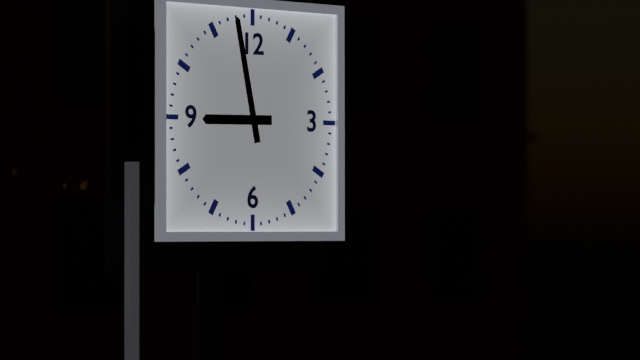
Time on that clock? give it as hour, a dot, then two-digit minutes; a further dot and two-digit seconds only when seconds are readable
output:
8.58
